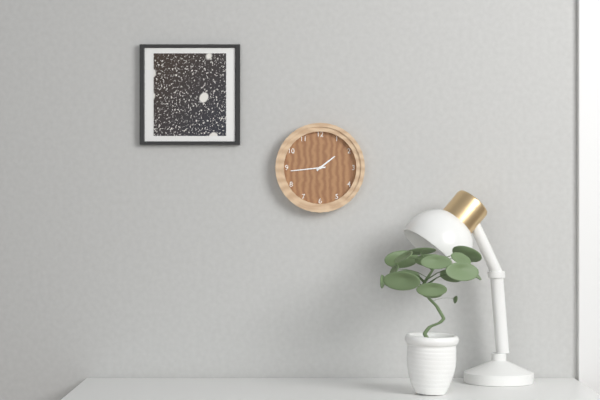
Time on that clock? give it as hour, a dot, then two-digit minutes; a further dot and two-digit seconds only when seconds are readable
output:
1.44
